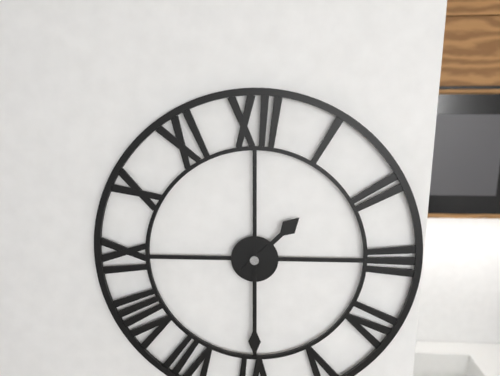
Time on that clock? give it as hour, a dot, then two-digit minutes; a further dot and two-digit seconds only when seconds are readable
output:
1.30
